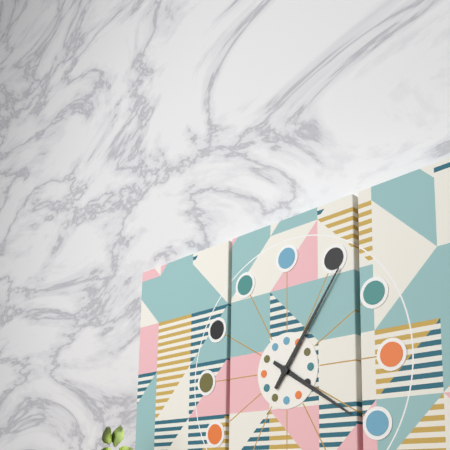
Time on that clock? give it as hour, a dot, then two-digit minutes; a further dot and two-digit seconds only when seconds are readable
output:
4.06
